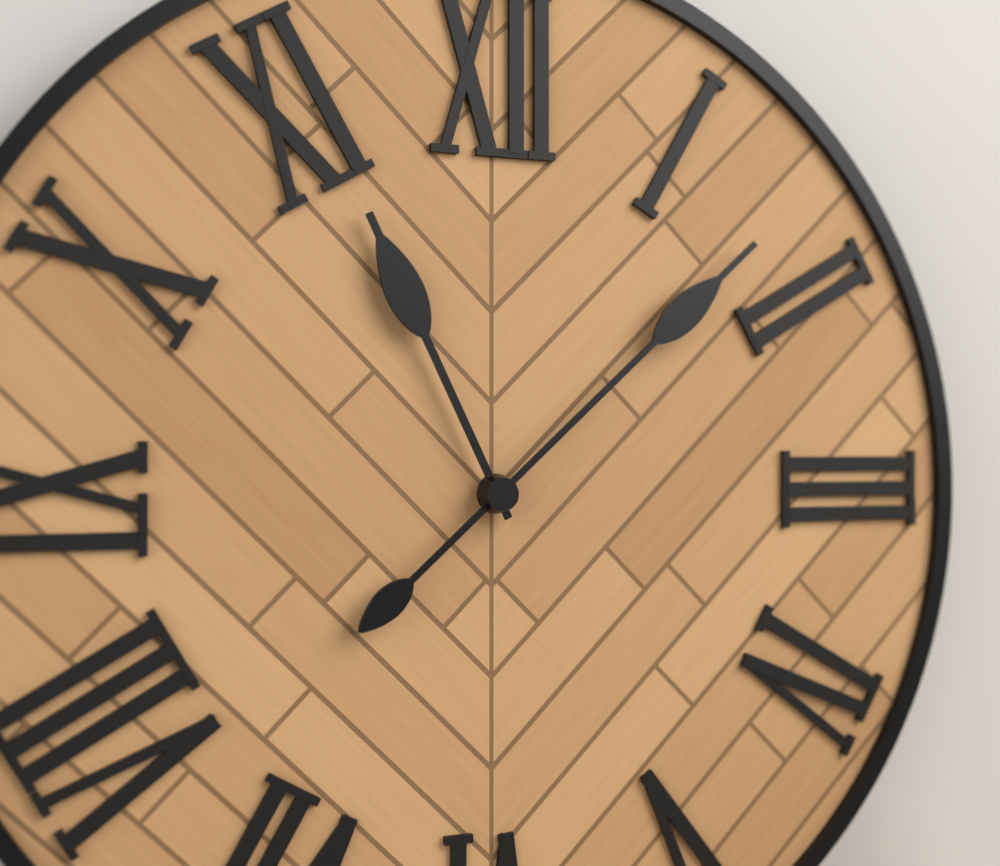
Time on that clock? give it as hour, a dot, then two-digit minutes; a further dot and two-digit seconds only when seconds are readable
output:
11.08
